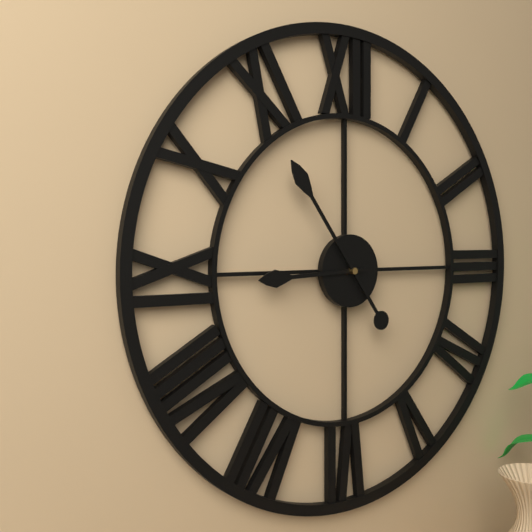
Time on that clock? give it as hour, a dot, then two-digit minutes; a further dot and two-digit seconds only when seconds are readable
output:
8.54
